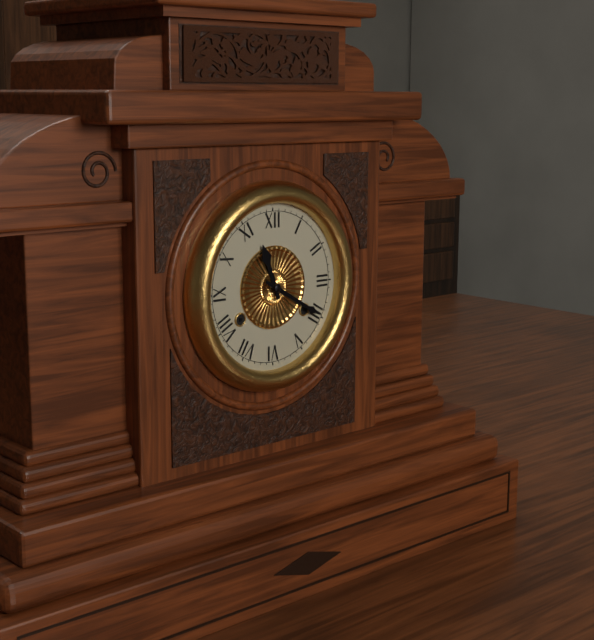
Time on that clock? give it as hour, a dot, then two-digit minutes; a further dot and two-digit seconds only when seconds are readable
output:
11.20
